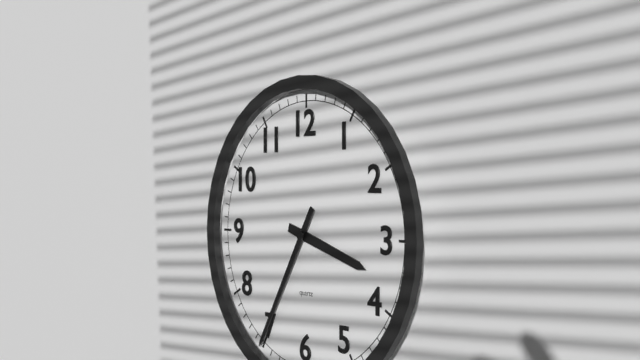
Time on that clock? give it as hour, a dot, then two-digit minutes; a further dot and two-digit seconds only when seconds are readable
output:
3.35
